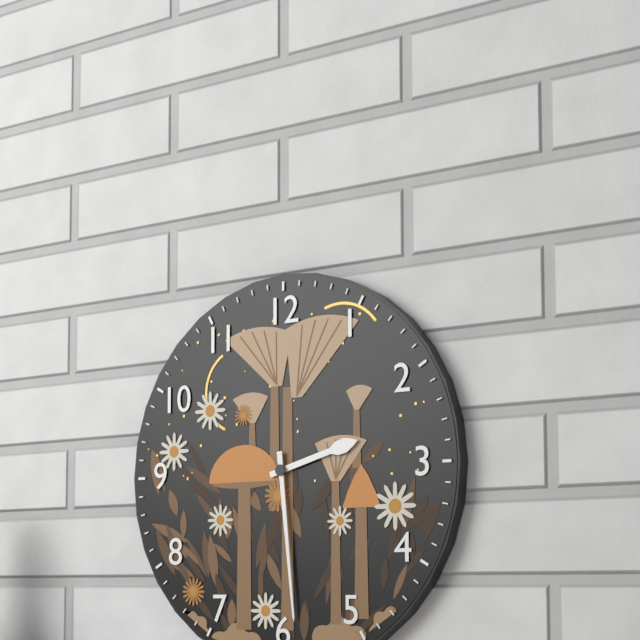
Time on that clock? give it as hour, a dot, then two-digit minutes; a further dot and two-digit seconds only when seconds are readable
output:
2.29
